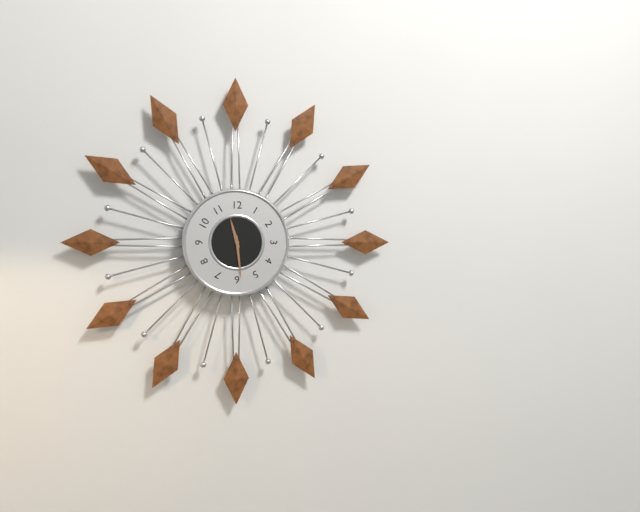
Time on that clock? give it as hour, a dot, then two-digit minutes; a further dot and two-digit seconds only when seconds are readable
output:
11.29
